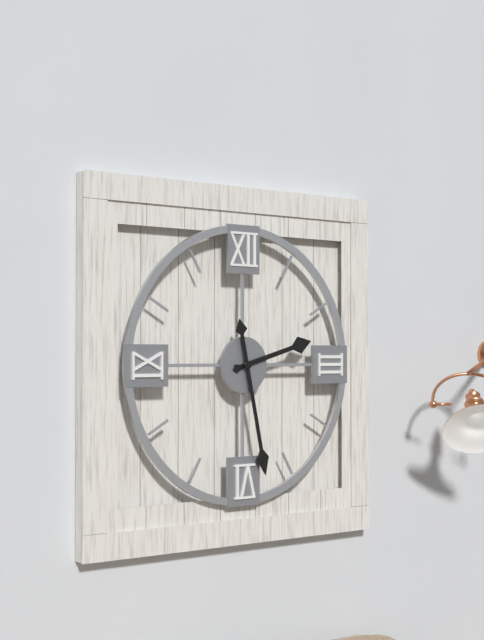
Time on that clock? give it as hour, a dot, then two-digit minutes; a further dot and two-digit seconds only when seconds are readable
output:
2.28
